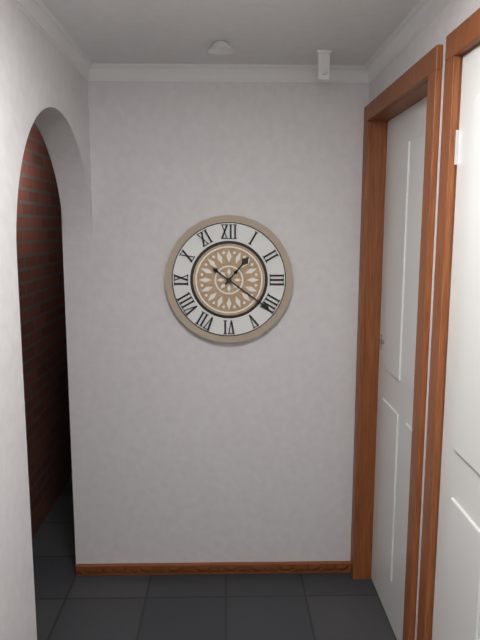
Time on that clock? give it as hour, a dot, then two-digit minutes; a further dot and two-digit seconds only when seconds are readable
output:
1.21
